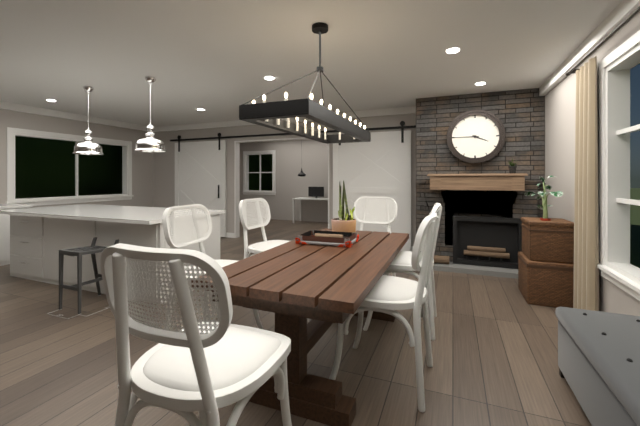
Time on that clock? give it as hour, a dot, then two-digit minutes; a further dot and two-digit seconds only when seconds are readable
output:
3.45
